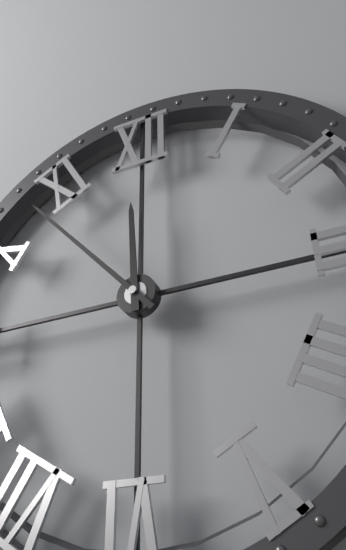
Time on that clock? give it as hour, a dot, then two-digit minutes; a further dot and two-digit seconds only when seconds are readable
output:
11.53
